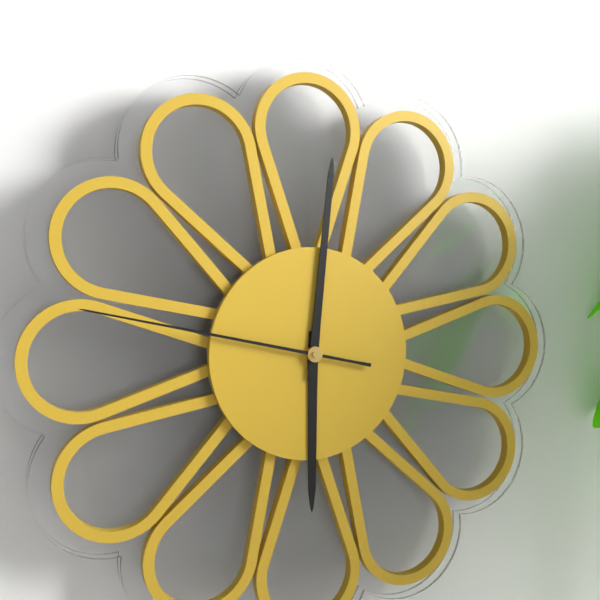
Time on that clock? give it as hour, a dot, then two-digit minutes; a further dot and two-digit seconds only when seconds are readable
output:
6.01.47
